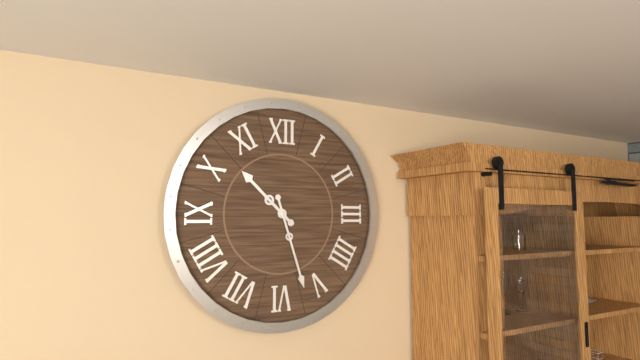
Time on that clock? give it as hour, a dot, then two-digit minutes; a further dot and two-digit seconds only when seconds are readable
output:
10.27
